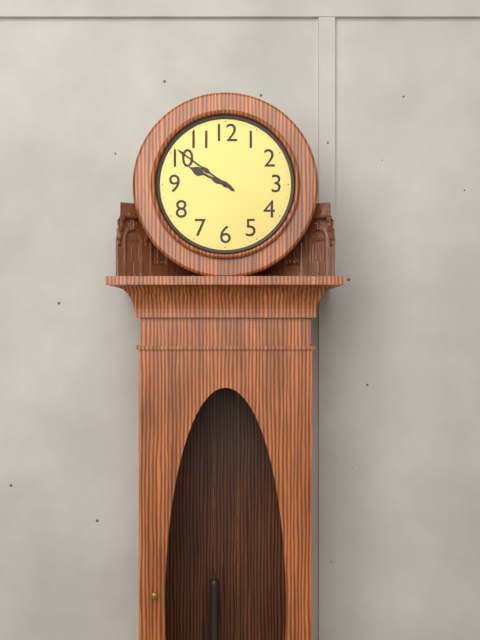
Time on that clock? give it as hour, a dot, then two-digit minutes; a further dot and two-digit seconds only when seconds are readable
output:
9.51
